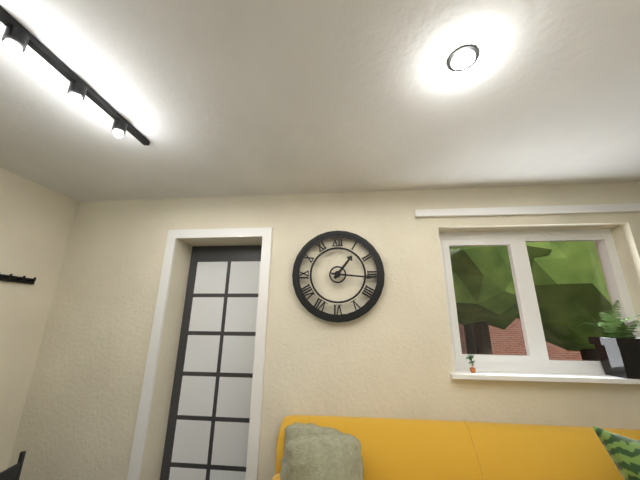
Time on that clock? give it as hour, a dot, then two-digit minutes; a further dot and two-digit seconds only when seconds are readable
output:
1.16
